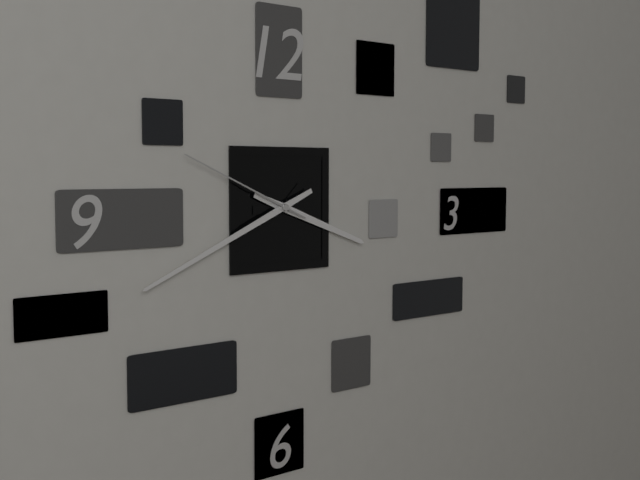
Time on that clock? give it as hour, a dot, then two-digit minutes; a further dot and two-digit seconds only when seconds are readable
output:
3.41.49
